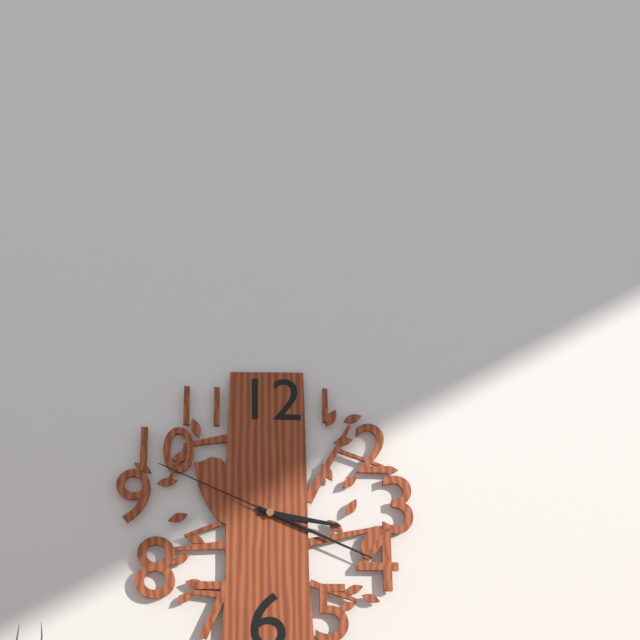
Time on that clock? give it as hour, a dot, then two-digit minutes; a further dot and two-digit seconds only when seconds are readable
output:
3.19.49
